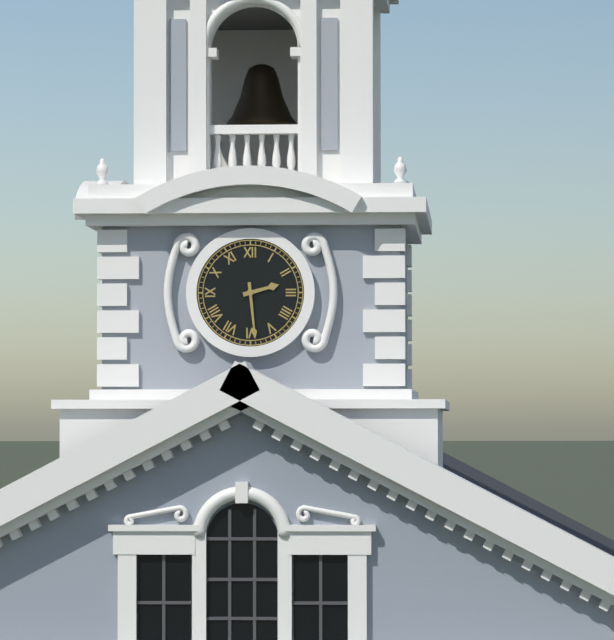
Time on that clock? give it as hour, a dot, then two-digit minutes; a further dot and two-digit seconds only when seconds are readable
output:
2.29
